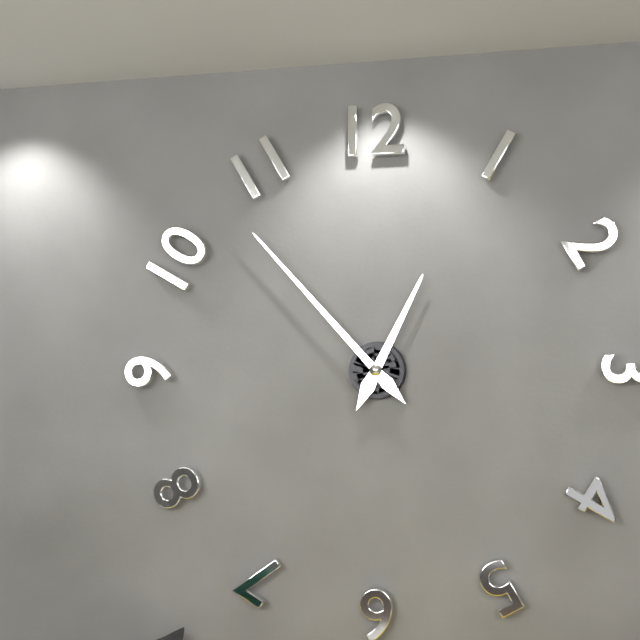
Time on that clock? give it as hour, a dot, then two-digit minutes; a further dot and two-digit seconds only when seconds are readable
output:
12.53
